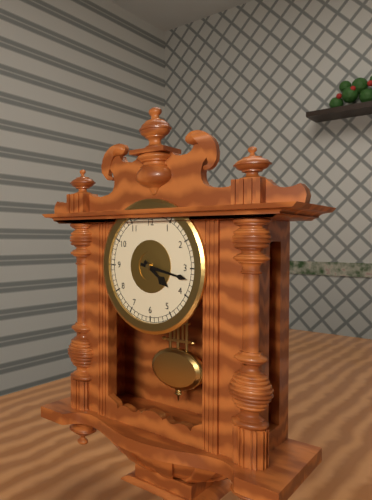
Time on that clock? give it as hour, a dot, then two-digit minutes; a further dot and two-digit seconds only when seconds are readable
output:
4.17
